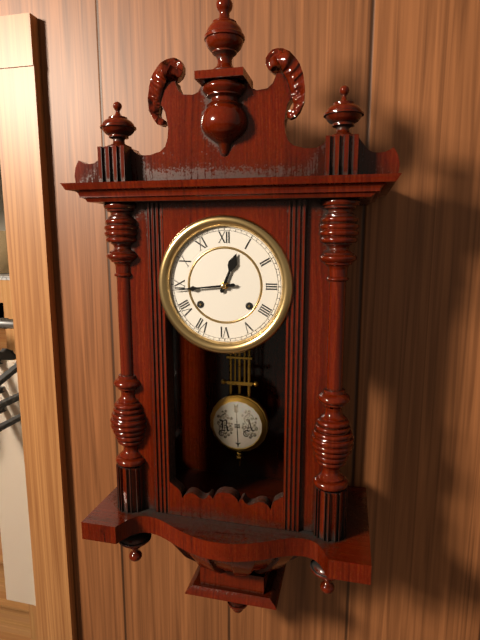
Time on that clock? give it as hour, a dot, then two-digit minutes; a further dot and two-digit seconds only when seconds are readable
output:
12.44
